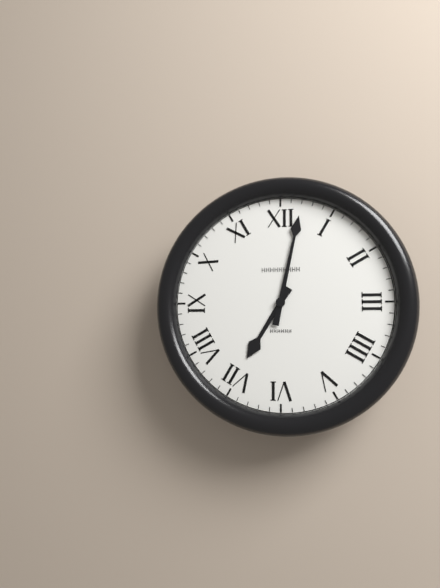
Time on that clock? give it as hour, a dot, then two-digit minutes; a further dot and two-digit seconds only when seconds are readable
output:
7.02
